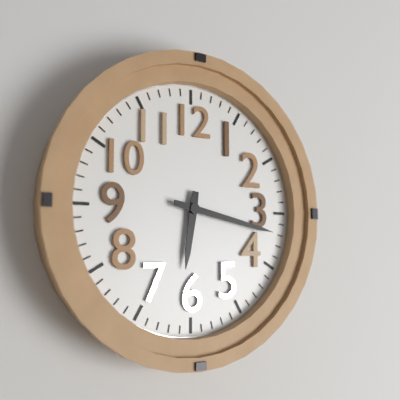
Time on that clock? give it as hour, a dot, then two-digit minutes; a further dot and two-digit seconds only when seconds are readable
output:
6.17
